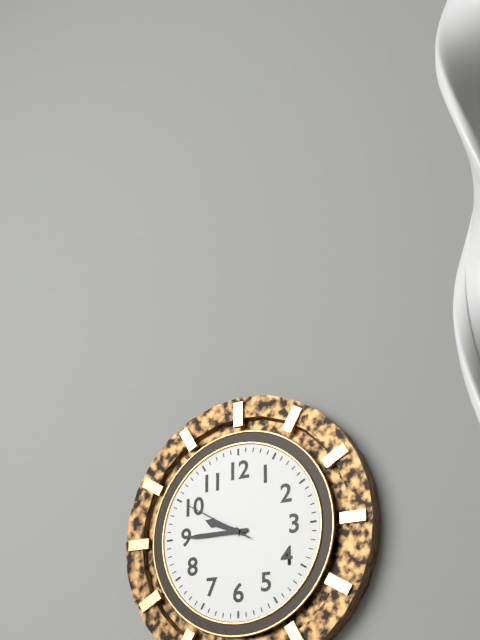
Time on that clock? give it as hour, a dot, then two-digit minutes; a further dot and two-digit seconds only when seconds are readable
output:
9.45.50
